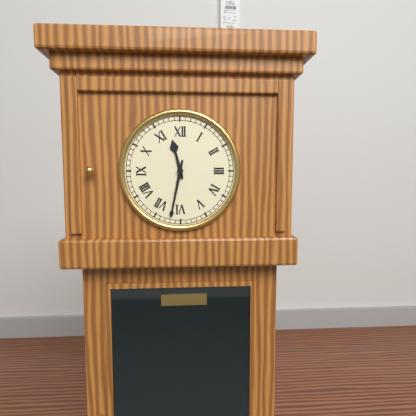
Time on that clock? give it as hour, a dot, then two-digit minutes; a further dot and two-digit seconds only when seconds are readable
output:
11.32
